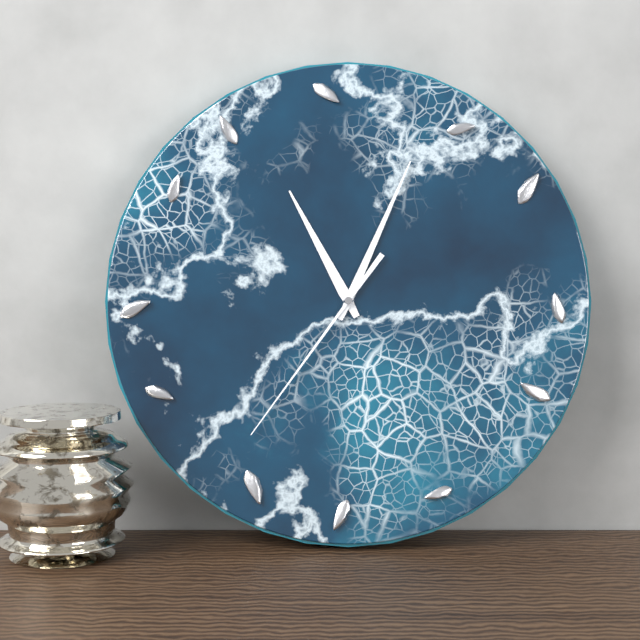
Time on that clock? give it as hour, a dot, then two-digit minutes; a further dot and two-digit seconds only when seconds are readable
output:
11.04.36
